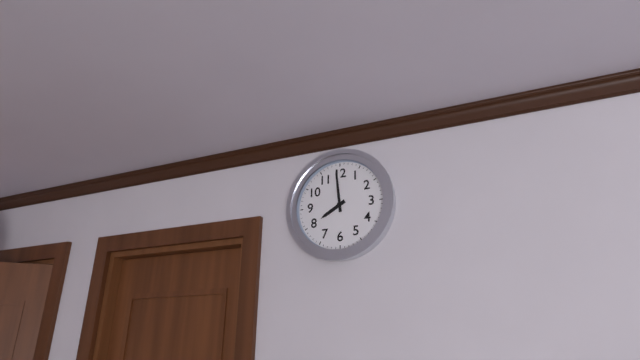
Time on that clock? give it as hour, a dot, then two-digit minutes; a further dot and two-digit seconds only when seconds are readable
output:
7.59
